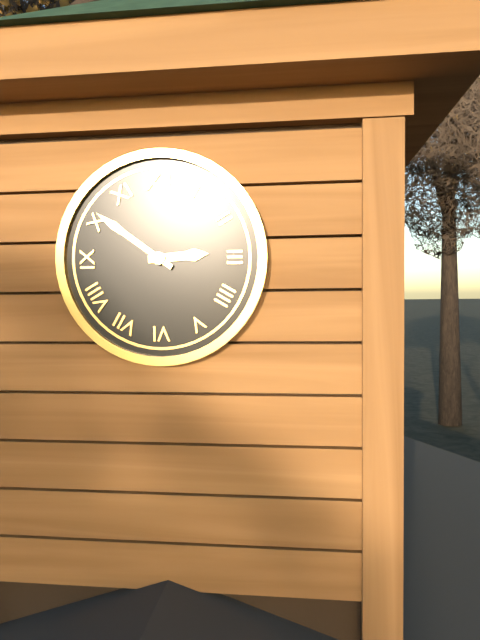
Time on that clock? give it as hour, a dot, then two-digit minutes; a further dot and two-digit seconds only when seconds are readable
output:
2.51
